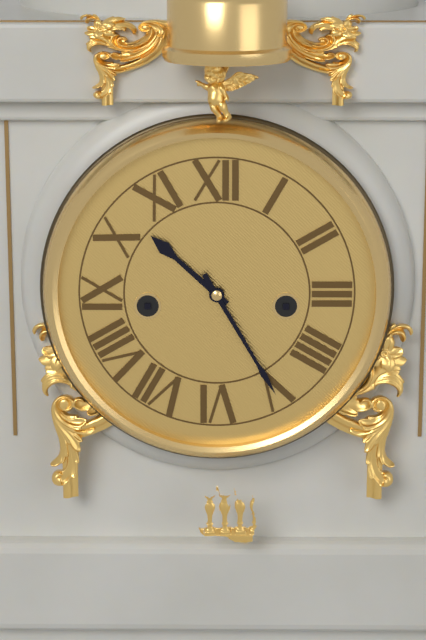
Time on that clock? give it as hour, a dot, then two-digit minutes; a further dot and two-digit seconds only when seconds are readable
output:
10.25
